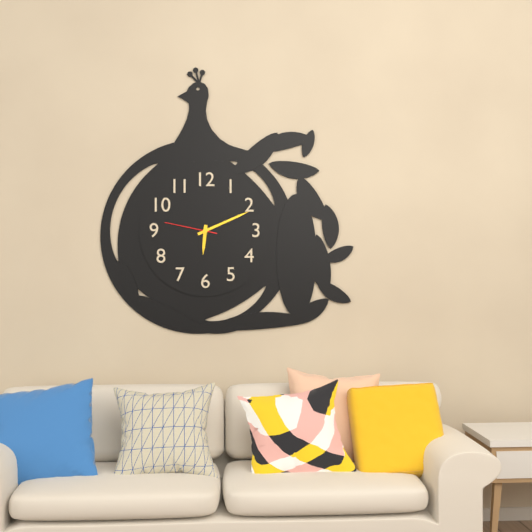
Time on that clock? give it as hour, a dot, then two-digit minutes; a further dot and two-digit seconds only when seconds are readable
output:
6.11.47
